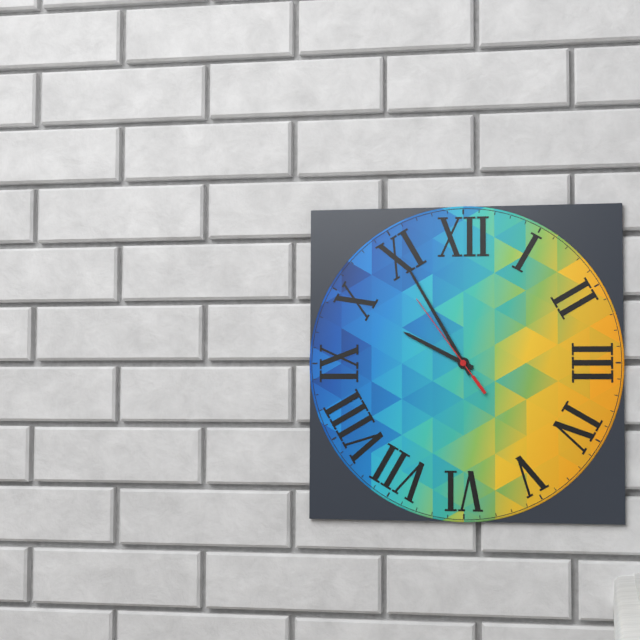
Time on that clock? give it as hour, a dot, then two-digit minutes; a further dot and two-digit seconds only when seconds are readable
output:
9.55.54
